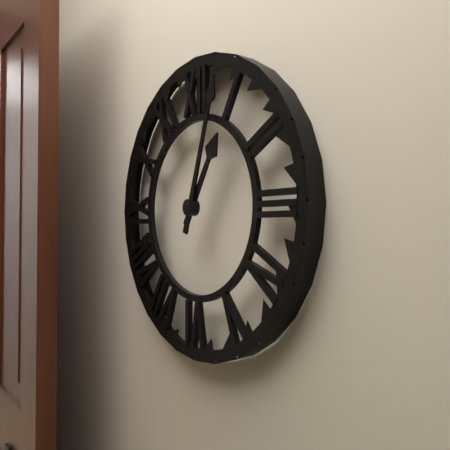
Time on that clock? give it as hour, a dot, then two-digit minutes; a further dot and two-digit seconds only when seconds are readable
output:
1.03
